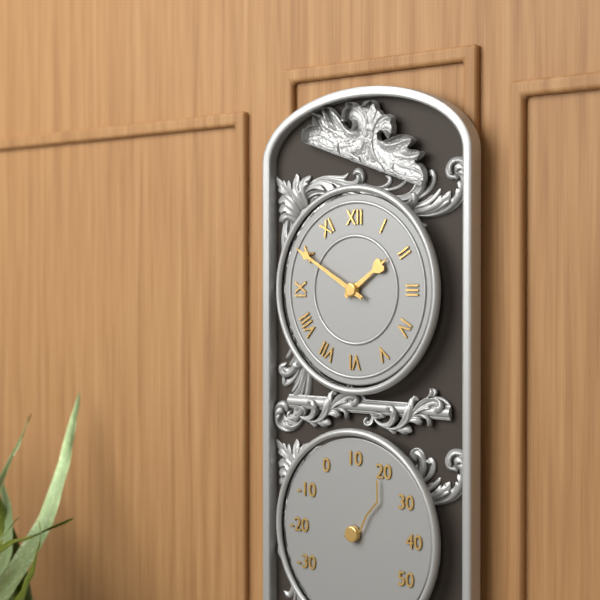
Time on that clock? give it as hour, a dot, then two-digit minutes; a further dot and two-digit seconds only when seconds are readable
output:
1.50
